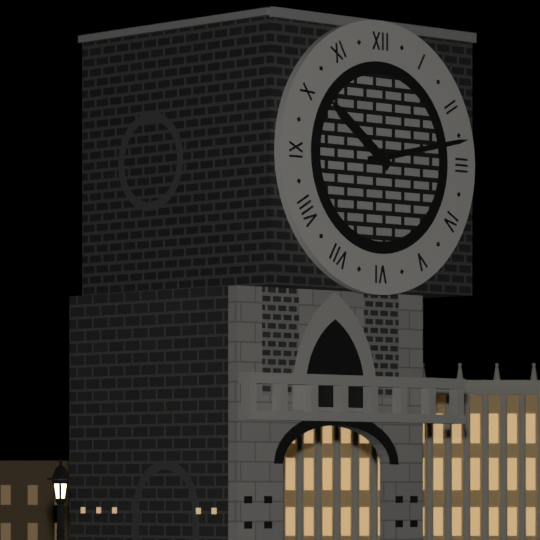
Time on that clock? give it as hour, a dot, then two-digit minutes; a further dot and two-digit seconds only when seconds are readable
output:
10.13
